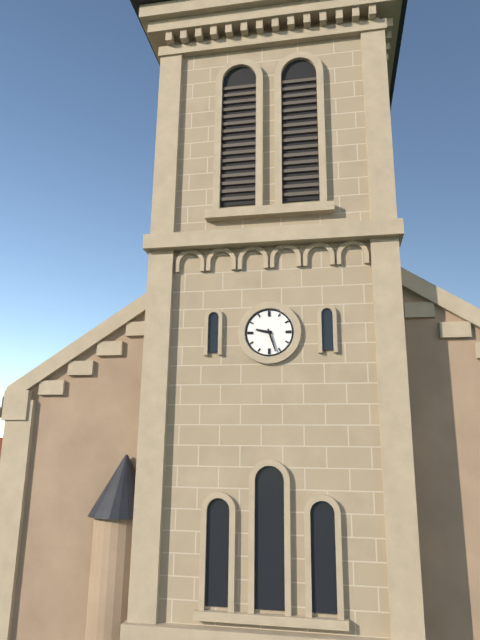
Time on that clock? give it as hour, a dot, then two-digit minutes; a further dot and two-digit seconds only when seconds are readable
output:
9.27
